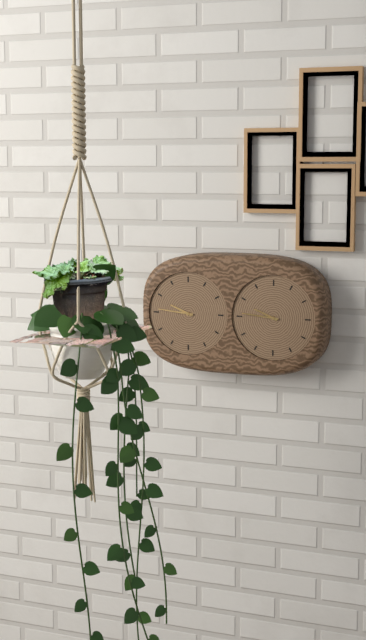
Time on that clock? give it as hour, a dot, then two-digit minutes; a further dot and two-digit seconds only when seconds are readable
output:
9.46
